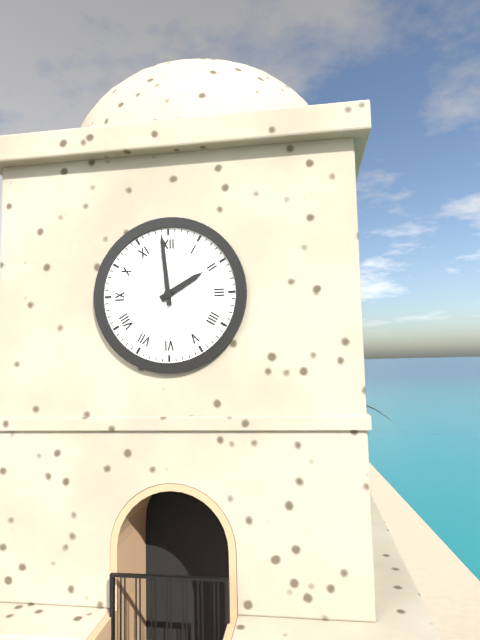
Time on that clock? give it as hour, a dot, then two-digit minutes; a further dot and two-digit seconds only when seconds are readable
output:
1.59
